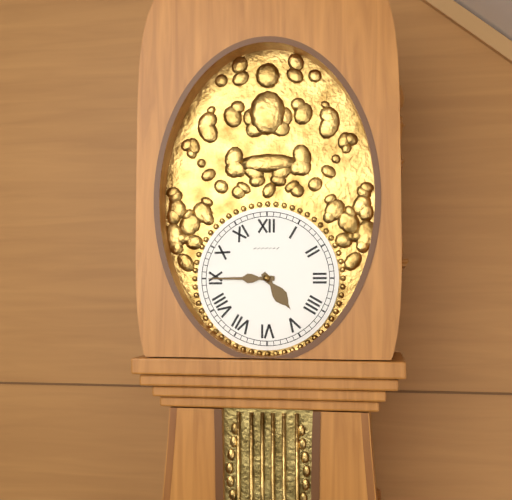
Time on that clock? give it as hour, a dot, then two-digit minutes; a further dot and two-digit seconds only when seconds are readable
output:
4.45
